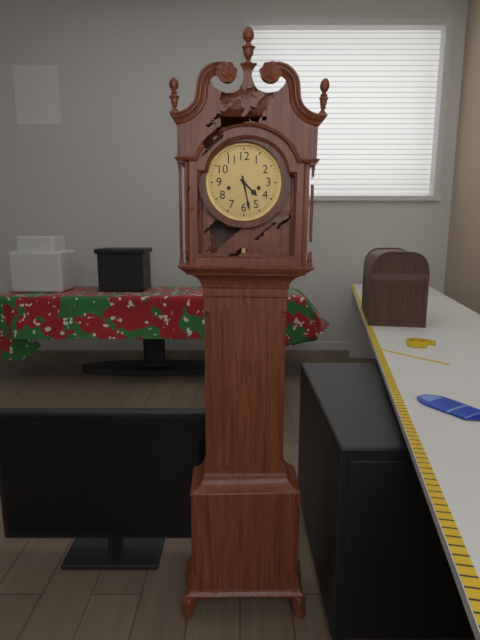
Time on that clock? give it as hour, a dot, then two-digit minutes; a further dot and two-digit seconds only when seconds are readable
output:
4.28
